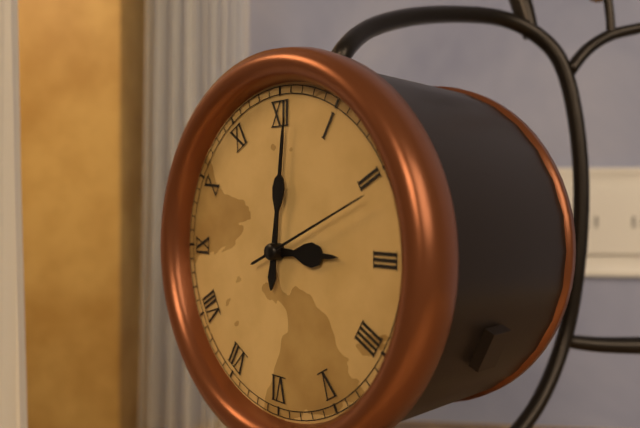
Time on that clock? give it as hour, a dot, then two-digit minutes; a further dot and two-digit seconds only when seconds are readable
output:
3.01.11
